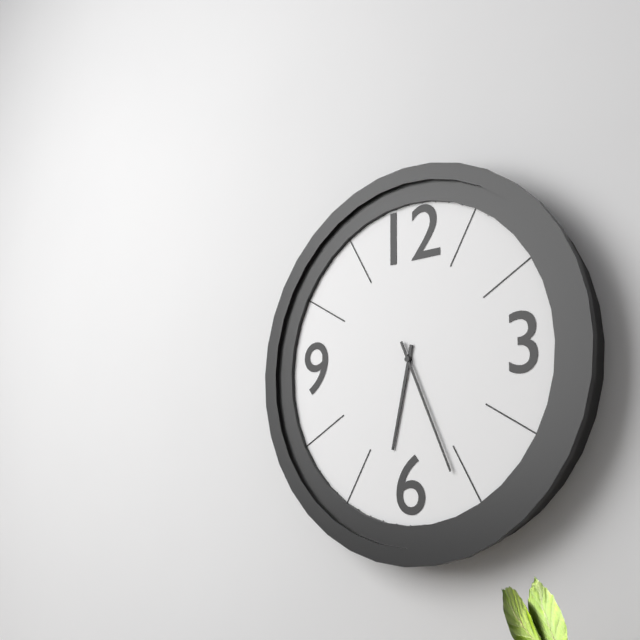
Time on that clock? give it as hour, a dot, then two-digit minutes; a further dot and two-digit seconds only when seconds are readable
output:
6.26
